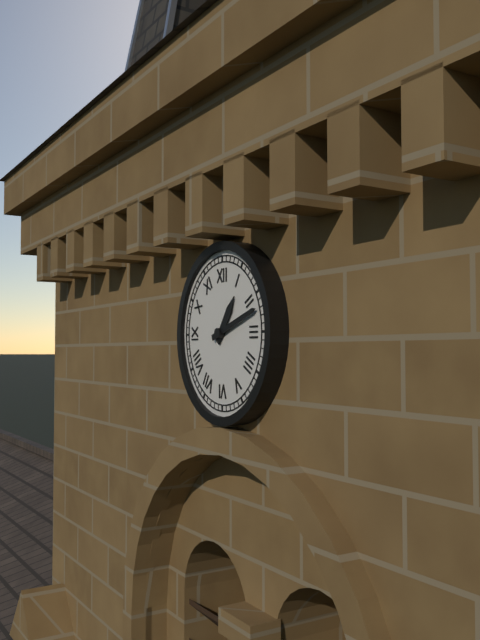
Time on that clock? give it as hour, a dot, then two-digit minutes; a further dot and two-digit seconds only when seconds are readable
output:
1.12
